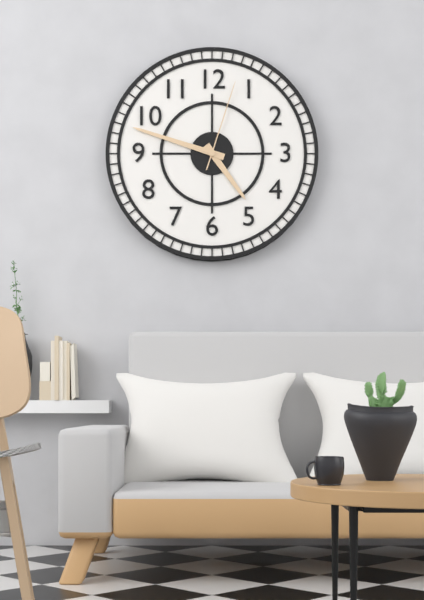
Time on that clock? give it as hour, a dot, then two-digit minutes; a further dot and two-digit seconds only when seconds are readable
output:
4.48.03
